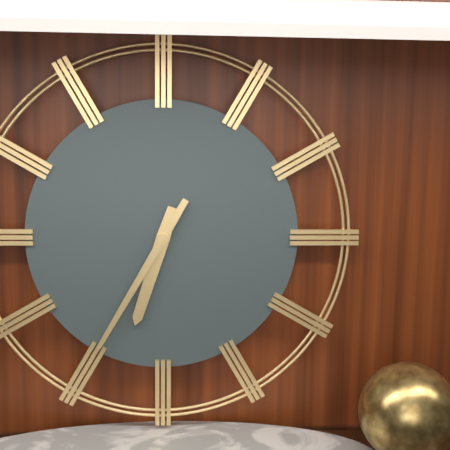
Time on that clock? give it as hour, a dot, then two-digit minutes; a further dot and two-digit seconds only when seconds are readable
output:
6.35
